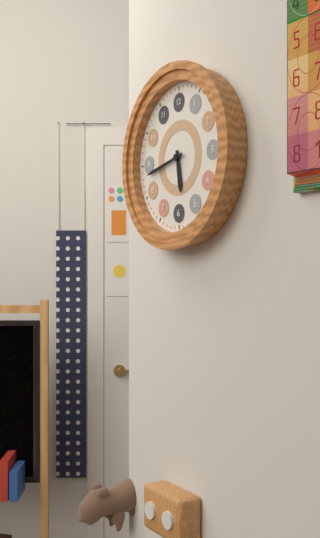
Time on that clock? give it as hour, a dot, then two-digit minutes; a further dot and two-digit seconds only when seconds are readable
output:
5.43
